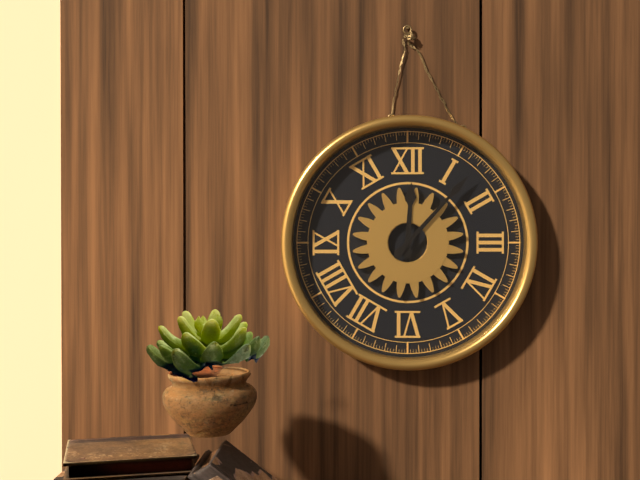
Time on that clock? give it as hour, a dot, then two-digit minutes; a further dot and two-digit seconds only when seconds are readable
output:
12.07
